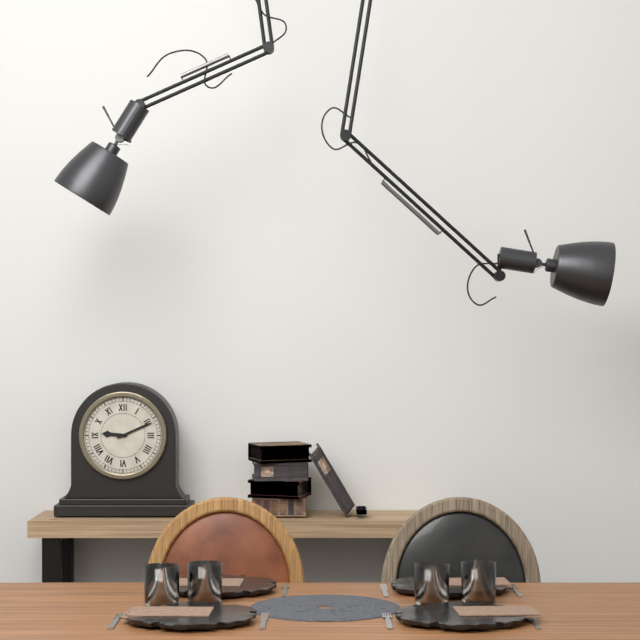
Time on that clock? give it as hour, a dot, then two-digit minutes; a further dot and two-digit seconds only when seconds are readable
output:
9.11
